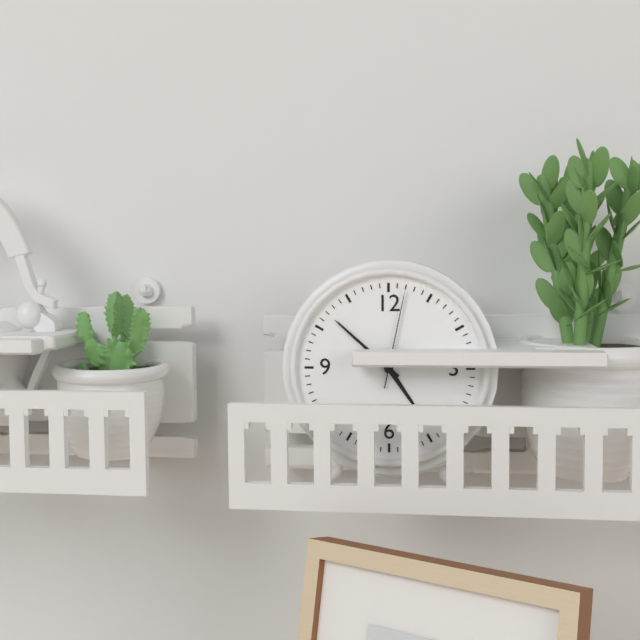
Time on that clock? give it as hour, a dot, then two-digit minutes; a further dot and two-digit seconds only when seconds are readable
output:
4.52.02
